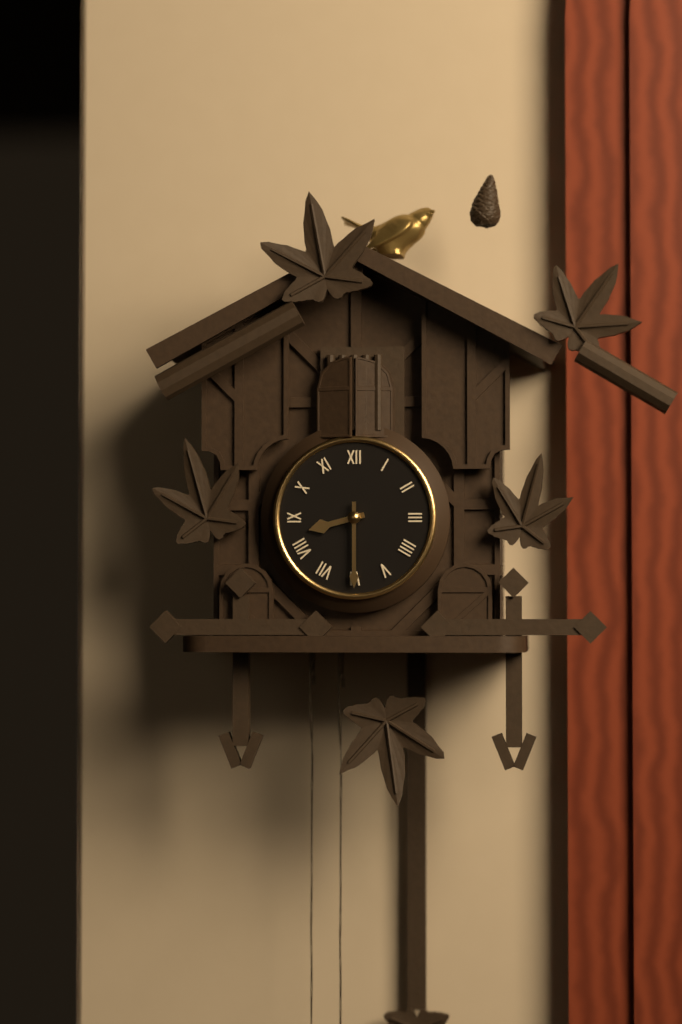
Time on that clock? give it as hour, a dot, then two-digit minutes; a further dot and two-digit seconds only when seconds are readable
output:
8.30
